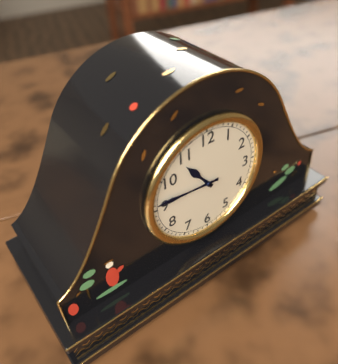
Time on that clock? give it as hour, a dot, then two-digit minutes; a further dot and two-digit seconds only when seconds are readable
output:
10.46
